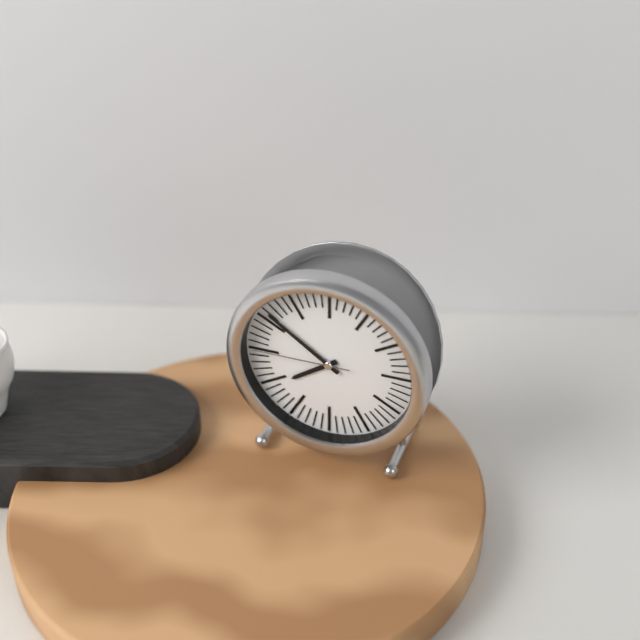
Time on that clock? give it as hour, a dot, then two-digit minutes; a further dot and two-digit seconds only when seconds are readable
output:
7.51.45
